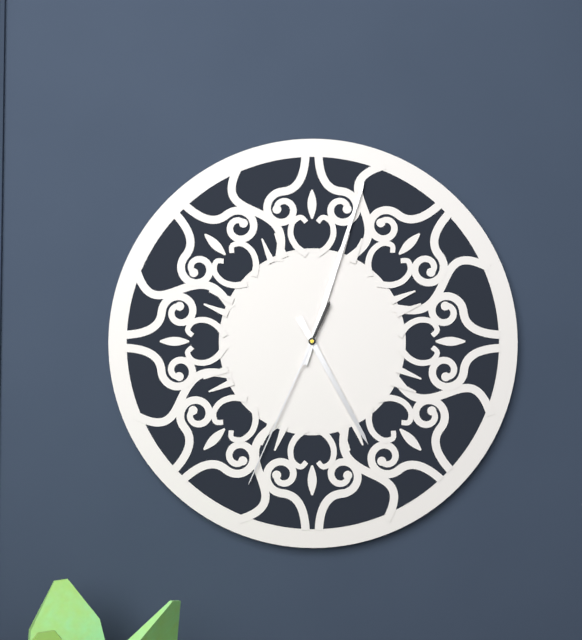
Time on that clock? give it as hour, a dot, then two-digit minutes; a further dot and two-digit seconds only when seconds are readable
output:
5.03.34
